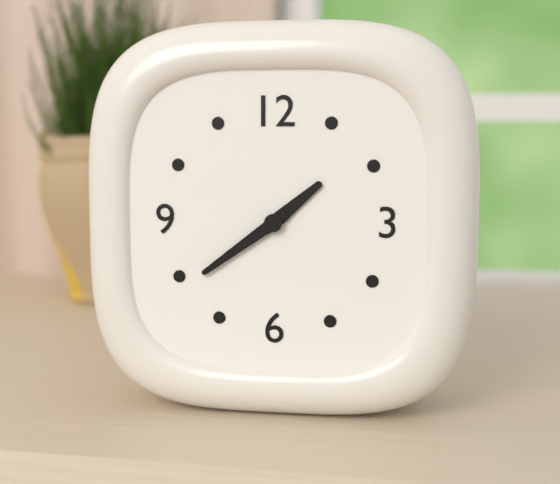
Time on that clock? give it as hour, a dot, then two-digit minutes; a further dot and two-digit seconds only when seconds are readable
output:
1.39
